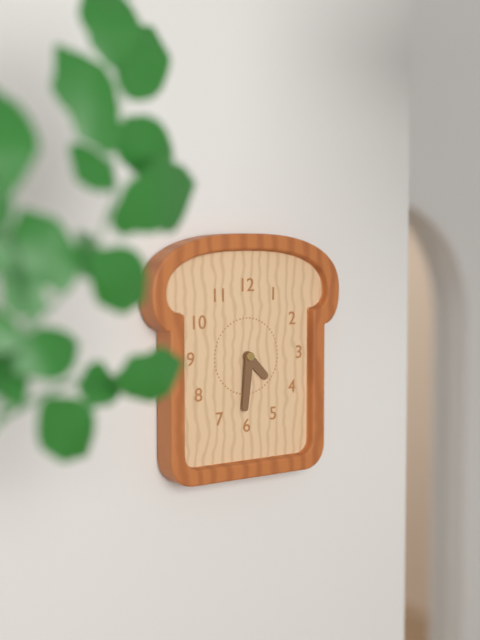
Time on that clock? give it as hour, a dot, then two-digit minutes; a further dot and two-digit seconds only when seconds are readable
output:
4.31
